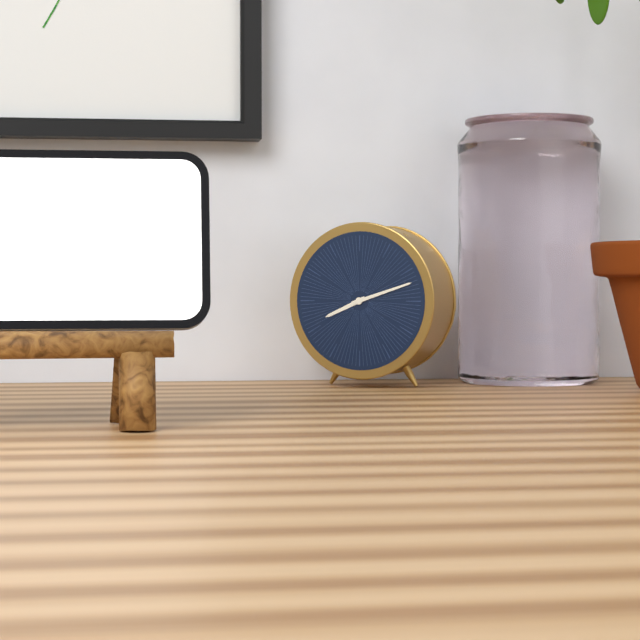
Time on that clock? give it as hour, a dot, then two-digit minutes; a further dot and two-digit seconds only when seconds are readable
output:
8.12
